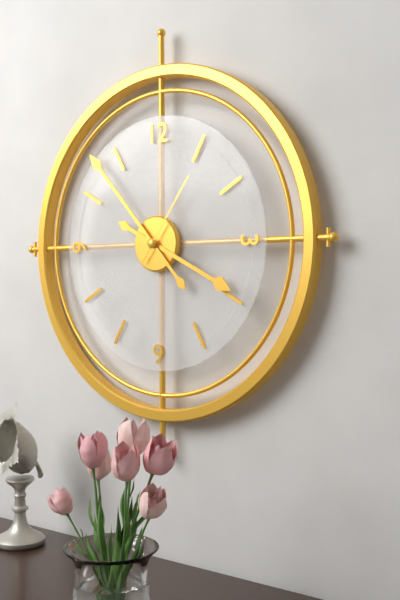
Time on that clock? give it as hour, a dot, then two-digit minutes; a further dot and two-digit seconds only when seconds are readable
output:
3.53.06
